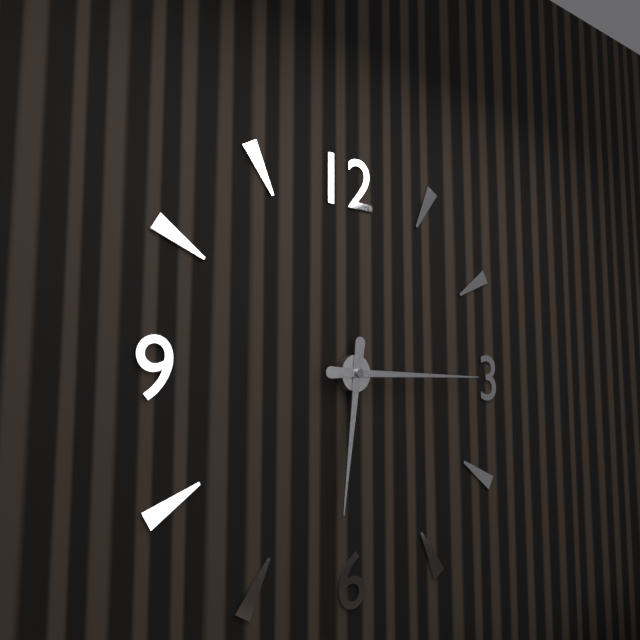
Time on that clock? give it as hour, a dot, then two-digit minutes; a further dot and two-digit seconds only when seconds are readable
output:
6.15
